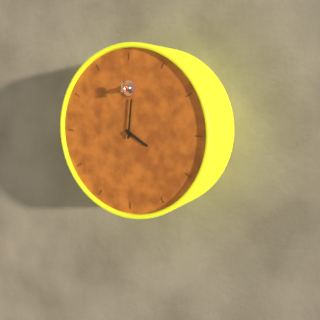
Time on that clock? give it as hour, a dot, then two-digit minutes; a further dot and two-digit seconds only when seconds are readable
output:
4.01
